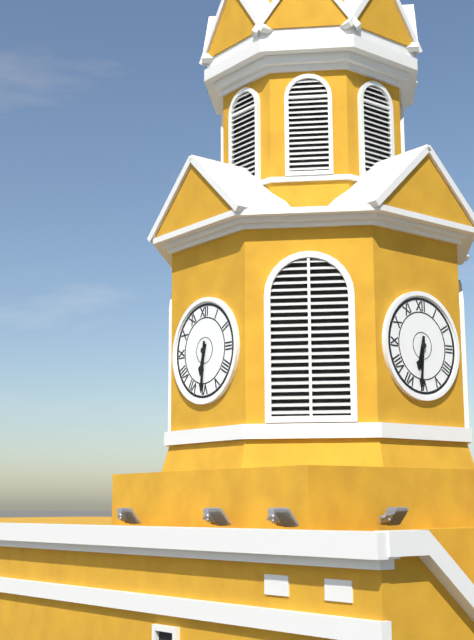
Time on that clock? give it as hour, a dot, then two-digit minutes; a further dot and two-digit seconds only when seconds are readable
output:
6.31
